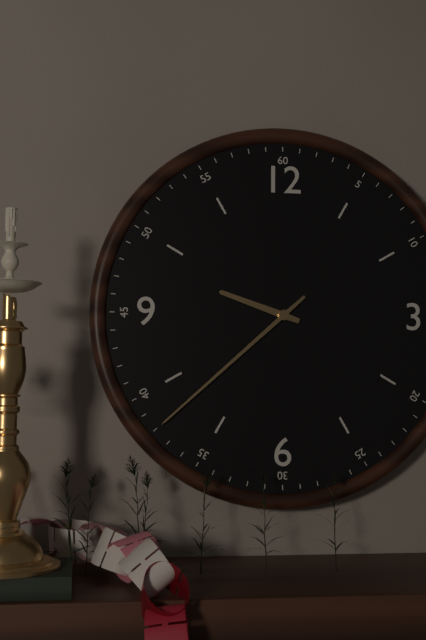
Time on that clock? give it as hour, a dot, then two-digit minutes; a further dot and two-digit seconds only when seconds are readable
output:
9.38
